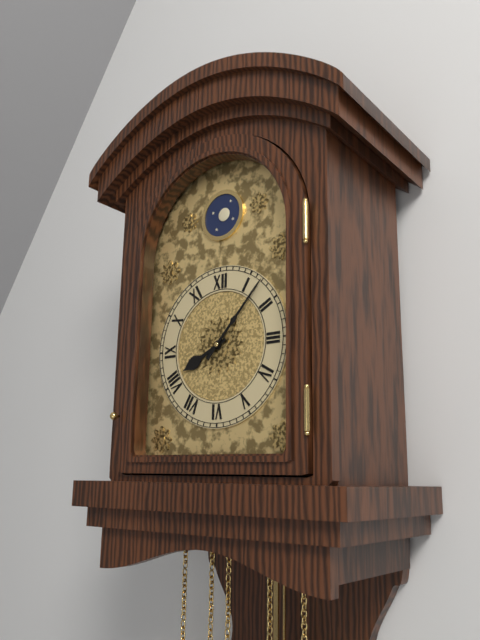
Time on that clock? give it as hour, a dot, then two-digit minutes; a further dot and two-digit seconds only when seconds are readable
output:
8.07
